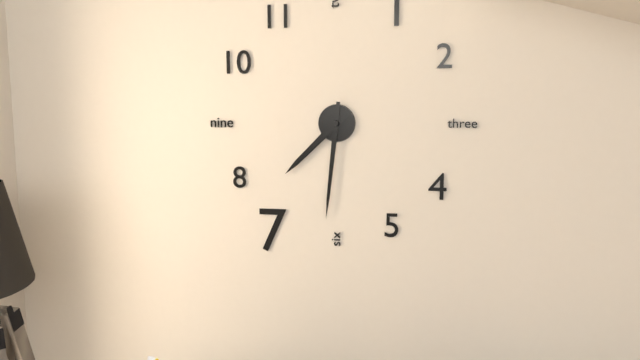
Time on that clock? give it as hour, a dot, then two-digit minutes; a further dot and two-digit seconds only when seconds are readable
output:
7.31
